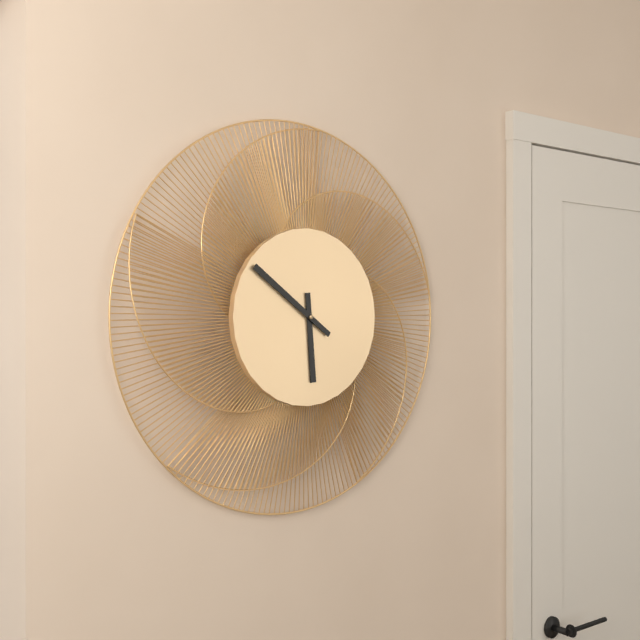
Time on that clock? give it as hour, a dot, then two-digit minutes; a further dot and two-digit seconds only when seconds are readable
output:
5.51
